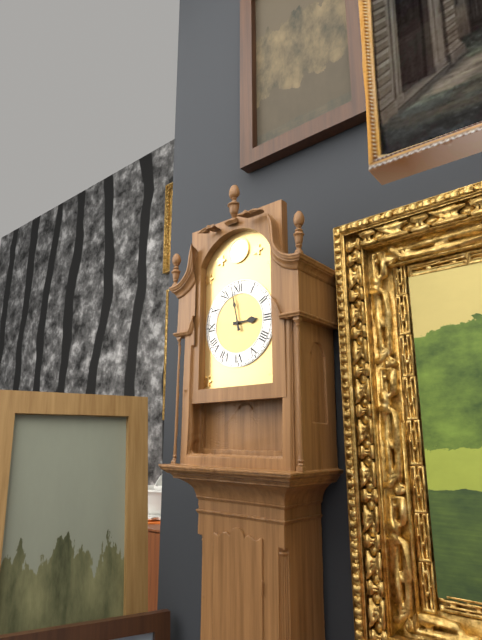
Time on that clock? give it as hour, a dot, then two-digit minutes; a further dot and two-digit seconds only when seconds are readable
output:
2.58
